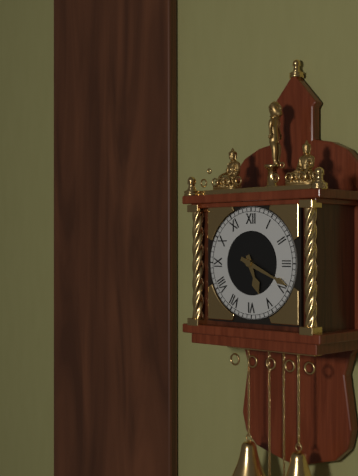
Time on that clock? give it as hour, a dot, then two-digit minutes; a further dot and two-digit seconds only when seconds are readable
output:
5.19
